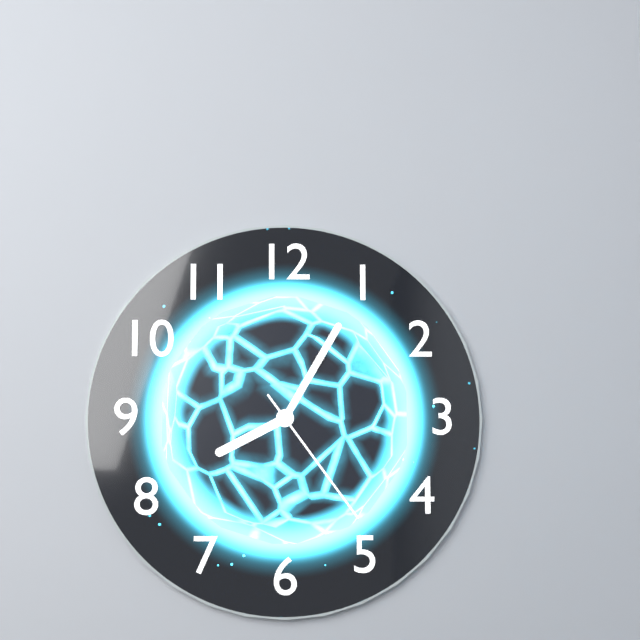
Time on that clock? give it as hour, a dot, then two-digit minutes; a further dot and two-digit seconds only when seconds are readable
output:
8.05.24
